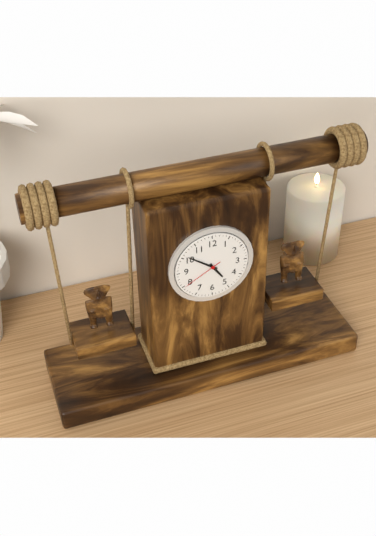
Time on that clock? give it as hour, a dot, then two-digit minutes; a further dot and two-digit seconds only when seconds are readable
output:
4.51
